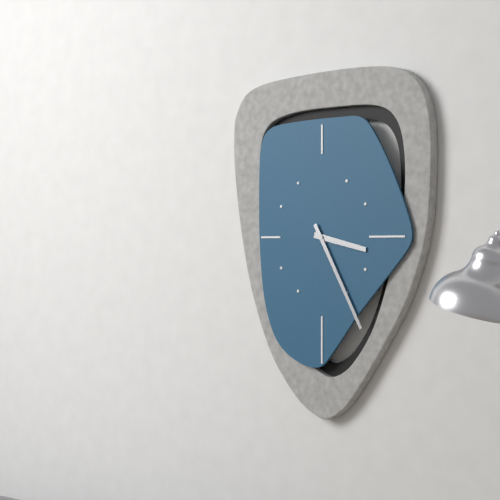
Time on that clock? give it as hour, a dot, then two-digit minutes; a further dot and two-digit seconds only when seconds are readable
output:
3.25
